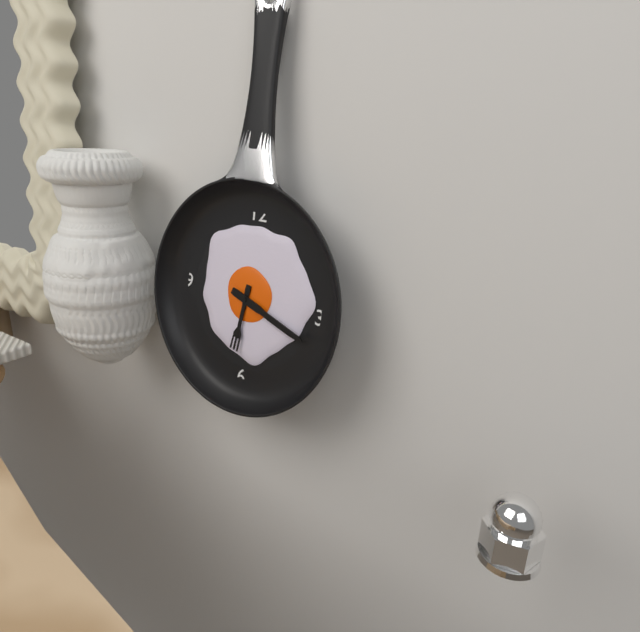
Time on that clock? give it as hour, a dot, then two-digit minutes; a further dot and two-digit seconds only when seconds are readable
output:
6.18
